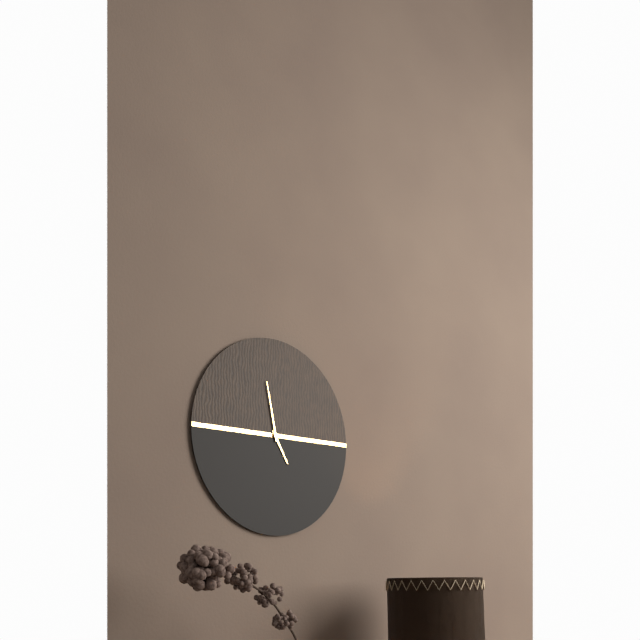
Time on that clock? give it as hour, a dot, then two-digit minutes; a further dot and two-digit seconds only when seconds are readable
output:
4.58
